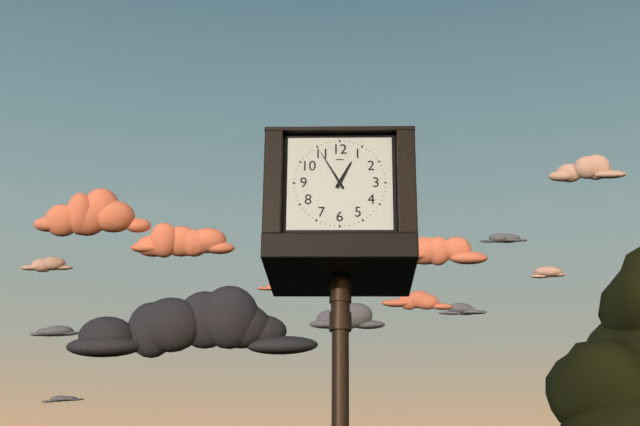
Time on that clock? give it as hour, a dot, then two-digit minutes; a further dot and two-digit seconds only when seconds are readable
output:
12.55
